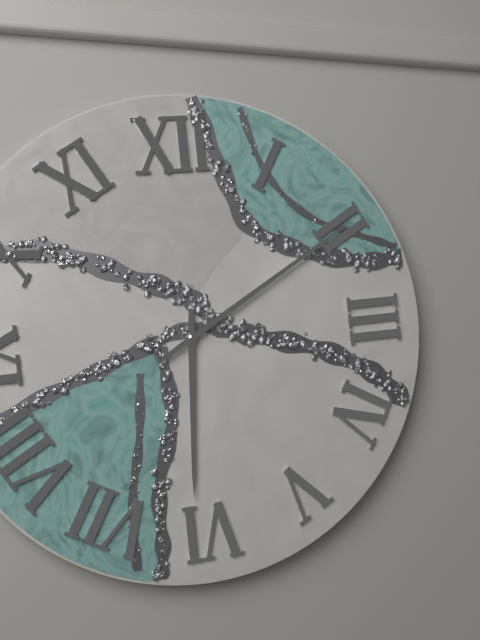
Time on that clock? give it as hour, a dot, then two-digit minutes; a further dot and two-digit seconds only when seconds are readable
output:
6.10
